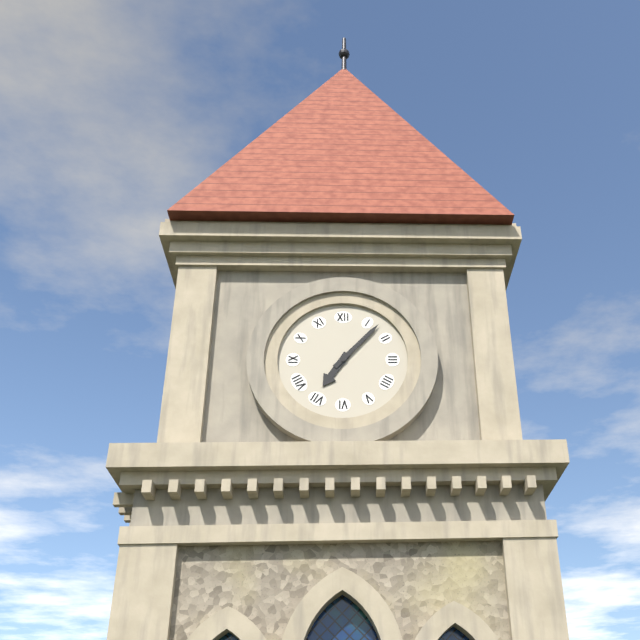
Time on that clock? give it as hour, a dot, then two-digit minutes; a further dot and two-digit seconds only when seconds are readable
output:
7.07
